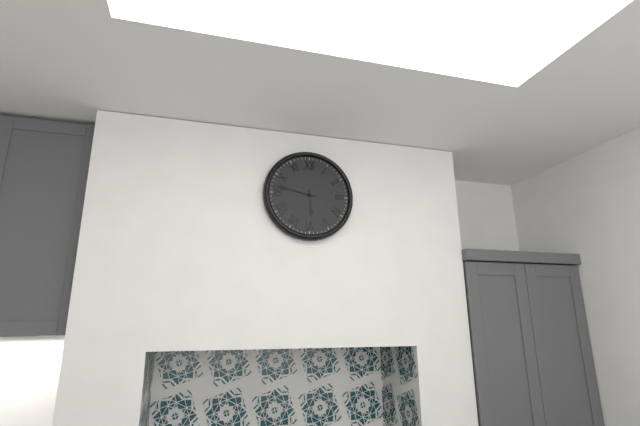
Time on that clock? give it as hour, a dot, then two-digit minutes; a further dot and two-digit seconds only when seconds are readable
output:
5.47
